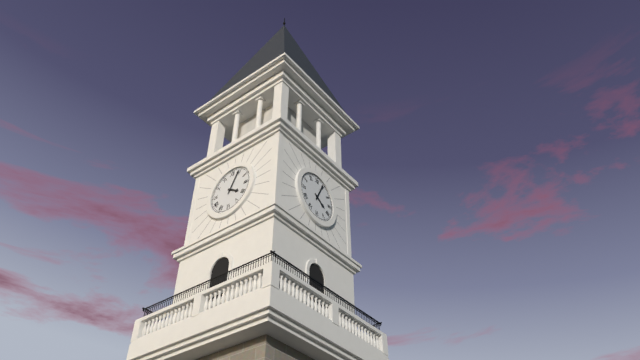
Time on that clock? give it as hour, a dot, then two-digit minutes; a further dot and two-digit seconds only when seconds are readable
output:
4.04
